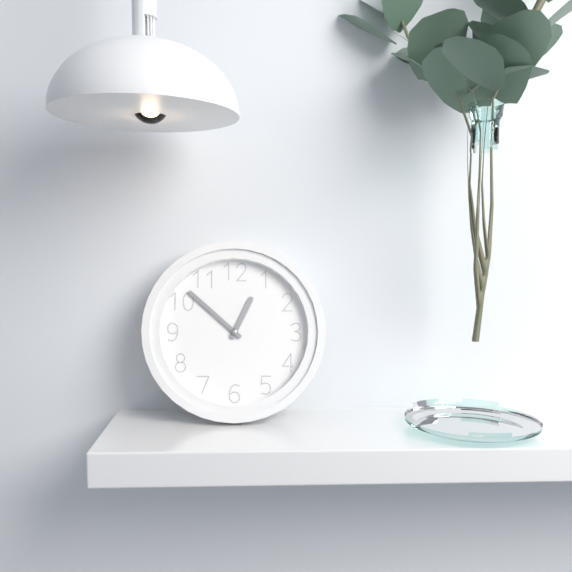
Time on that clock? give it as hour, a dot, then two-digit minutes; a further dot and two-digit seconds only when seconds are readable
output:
12.52
